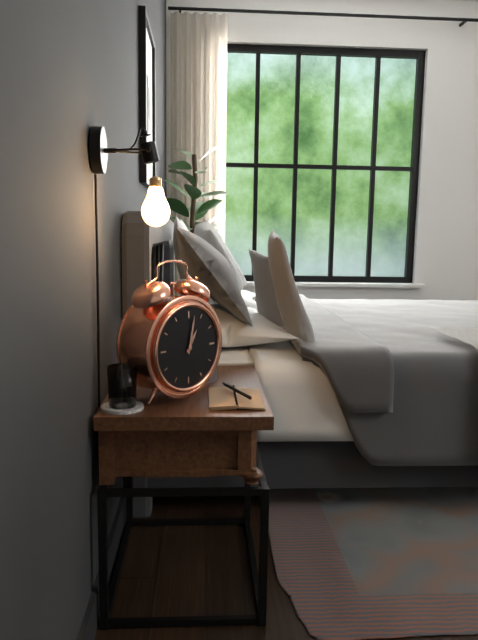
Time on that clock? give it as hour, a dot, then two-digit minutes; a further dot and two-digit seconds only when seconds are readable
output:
1.02
